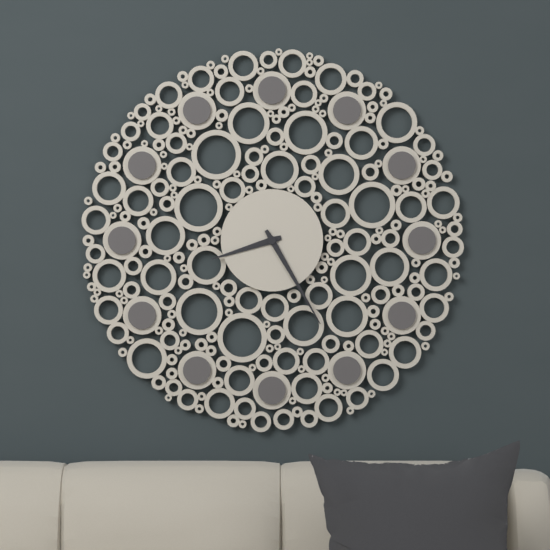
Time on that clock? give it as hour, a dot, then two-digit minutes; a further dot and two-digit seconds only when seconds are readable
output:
8.25
